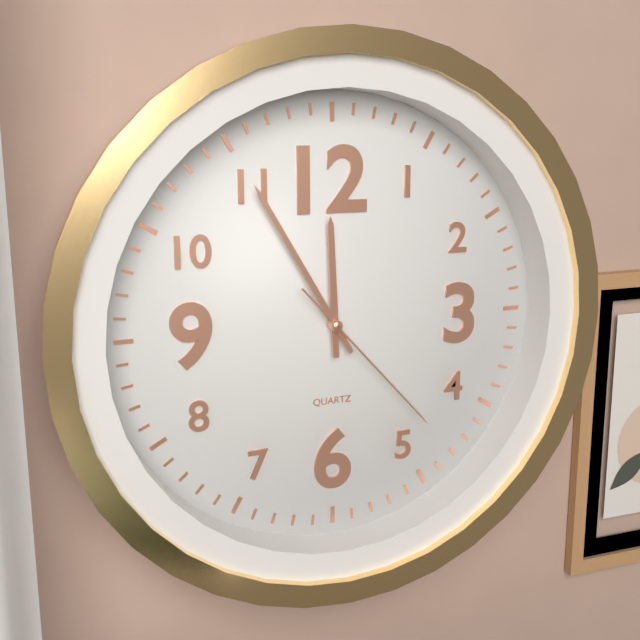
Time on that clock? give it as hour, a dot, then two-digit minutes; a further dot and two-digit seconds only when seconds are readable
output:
11.55.23
